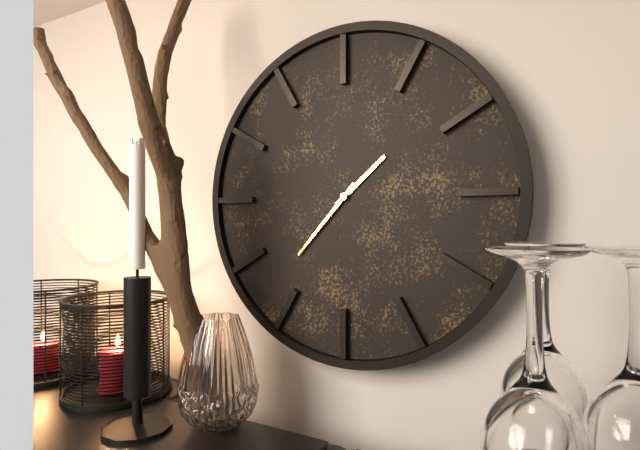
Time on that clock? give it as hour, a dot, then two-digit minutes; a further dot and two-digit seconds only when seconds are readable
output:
1.37
